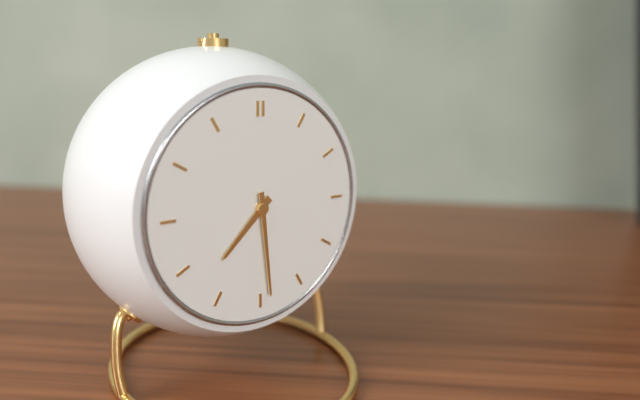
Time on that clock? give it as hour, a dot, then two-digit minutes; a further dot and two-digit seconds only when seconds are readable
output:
7.29
